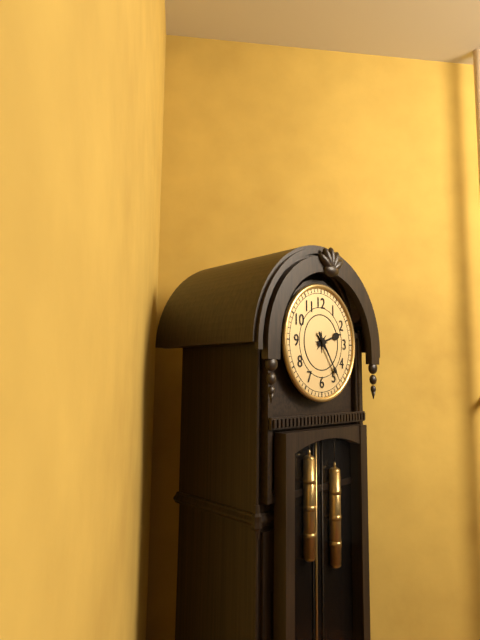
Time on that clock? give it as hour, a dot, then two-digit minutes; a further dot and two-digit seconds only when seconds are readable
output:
2.24
